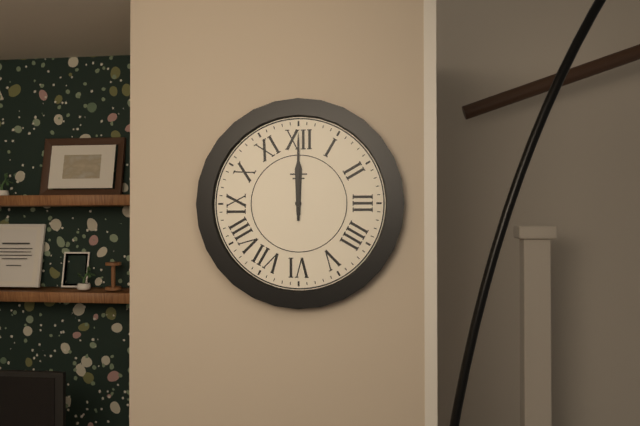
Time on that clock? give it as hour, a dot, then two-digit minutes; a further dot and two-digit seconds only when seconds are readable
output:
12.00
